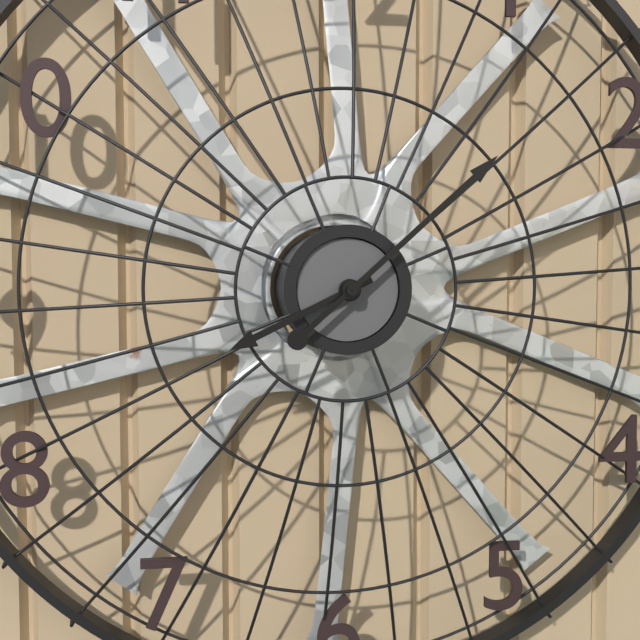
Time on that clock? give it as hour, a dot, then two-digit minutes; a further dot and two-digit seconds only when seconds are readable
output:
8.08
